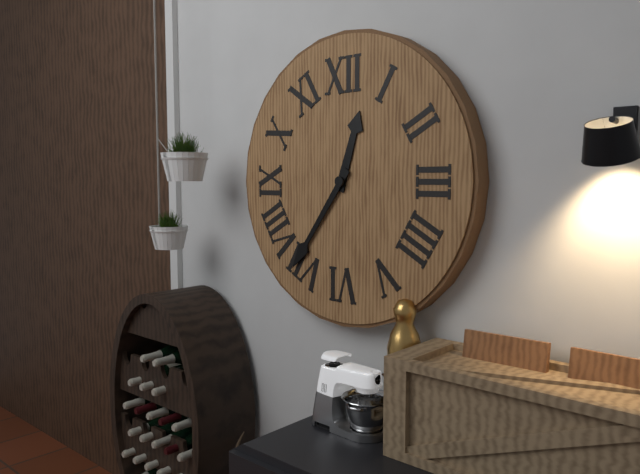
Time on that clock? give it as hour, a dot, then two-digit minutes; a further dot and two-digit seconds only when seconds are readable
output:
12.36
